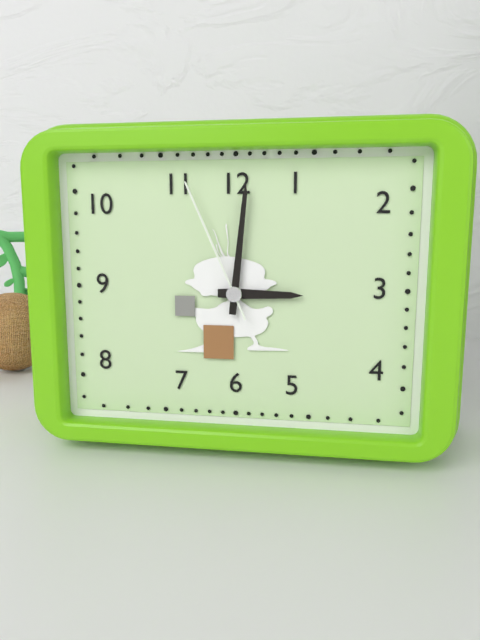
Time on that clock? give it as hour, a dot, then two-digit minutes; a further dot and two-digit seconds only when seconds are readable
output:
3.01.56
